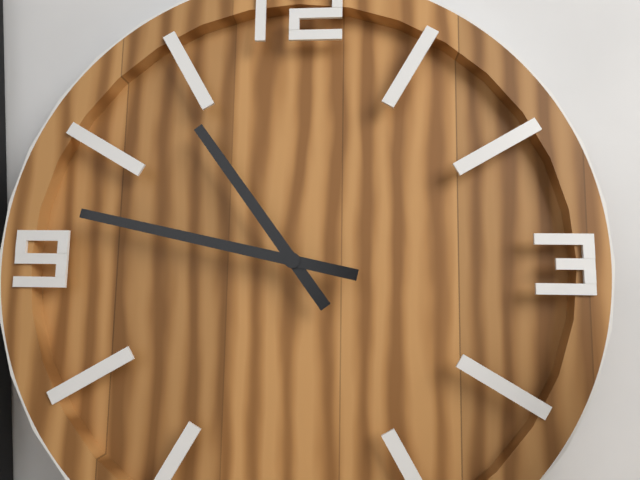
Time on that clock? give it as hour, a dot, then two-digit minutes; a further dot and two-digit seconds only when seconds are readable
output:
10.47
